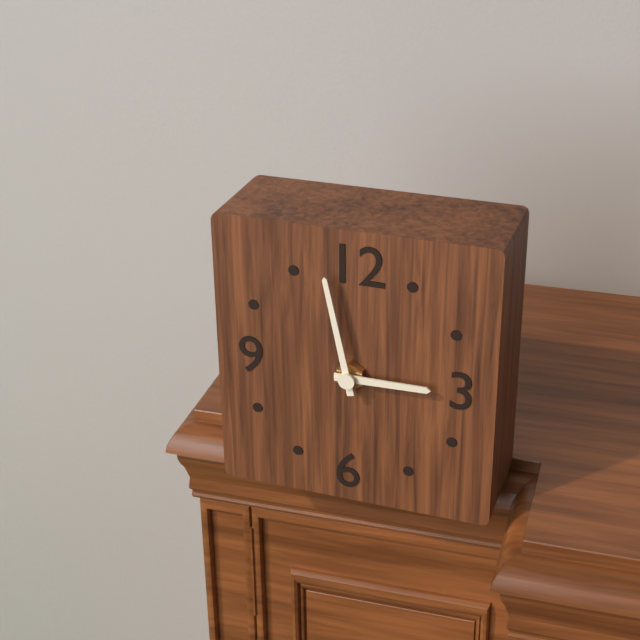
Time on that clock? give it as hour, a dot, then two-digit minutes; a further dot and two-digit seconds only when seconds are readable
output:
2.58
